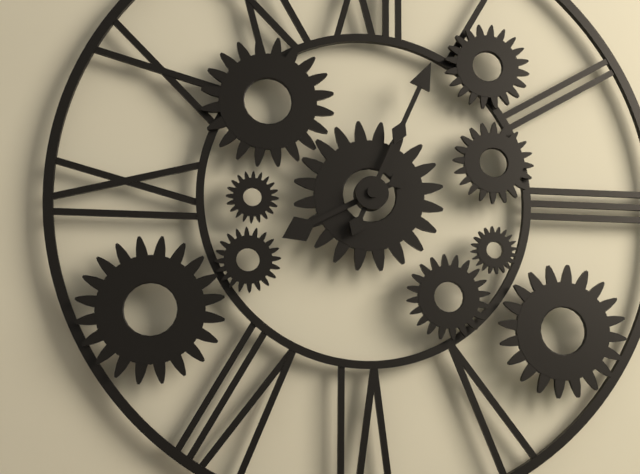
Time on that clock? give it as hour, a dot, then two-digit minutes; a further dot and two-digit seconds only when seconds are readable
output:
8.04
